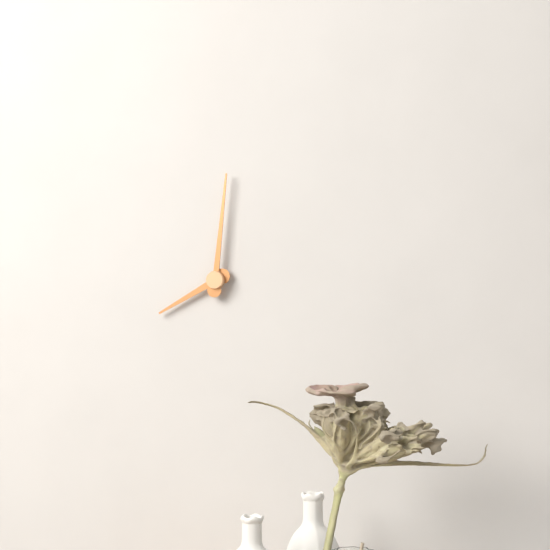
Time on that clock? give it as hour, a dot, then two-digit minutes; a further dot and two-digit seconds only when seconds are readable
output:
8.01
